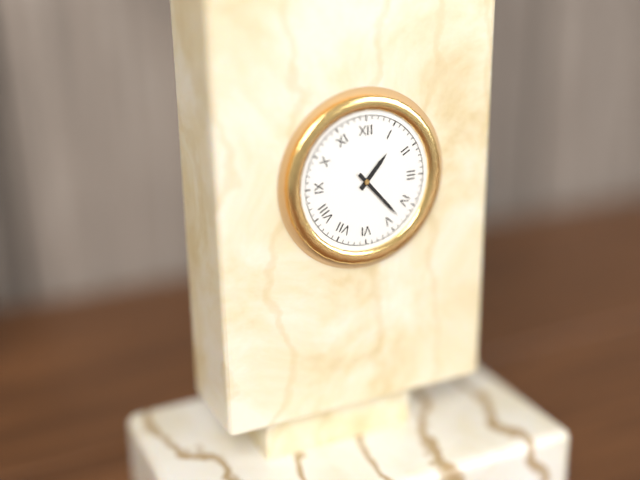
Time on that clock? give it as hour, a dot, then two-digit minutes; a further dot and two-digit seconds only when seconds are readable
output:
1.23
